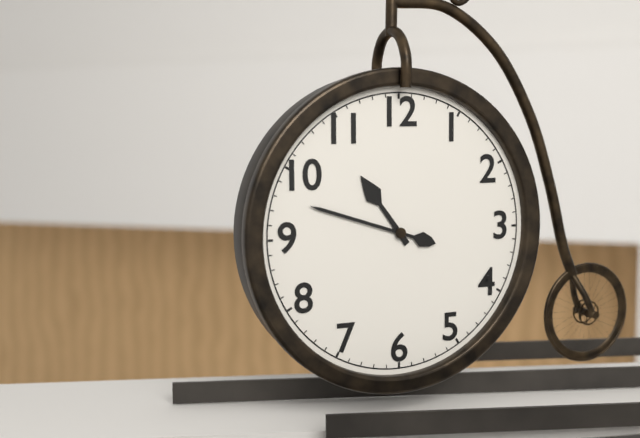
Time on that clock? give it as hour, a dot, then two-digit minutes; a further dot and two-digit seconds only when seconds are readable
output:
10.48
